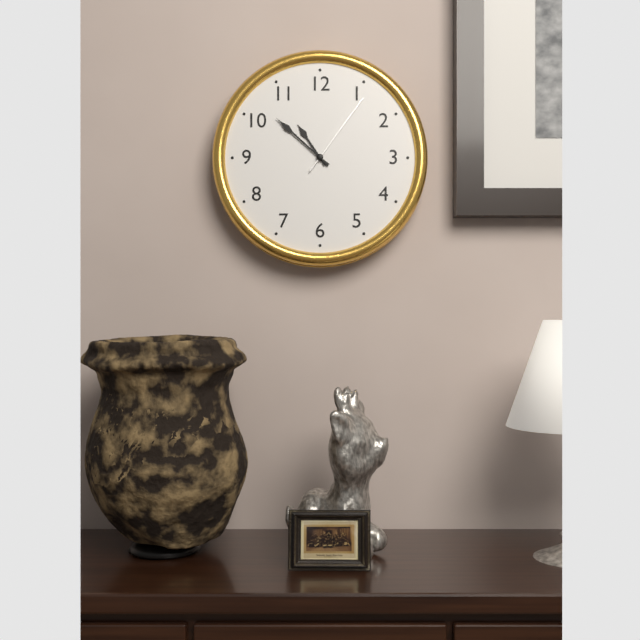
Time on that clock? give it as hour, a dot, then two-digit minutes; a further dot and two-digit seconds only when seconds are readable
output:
10.52.06
